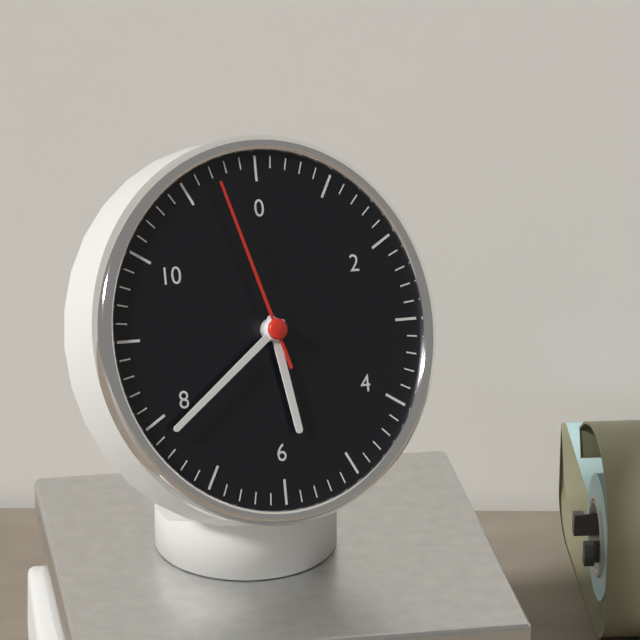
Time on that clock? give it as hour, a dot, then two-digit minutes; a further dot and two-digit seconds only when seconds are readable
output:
5.39.57
